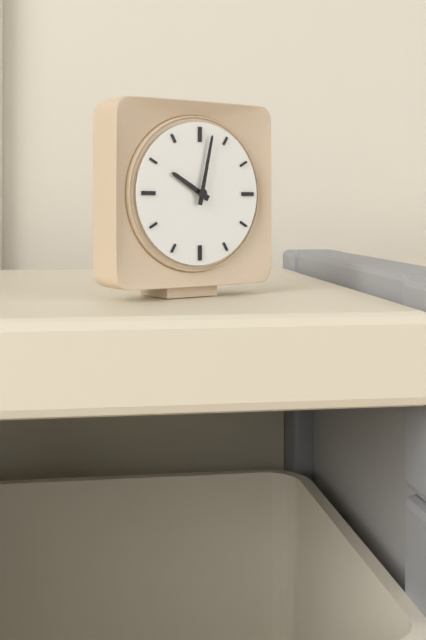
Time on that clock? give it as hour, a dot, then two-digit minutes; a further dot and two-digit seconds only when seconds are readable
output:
10.02
